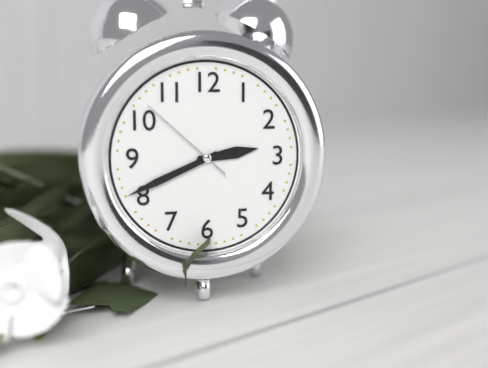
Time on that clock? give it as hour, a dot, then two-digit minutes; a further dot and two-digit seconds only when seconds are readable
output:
2.41.52
